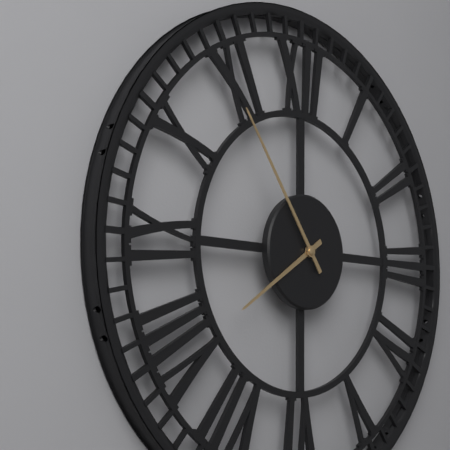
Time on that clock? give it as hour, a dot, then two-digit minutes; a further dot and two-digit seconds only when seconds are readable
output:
7.54
